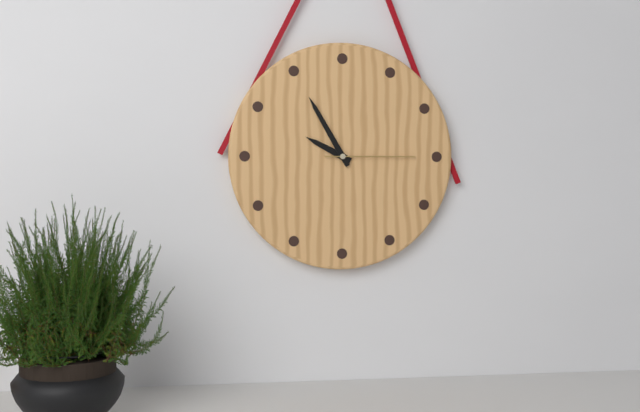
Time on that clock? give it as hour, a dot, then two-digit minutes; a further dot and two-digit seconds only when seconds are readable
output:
9.55.15
